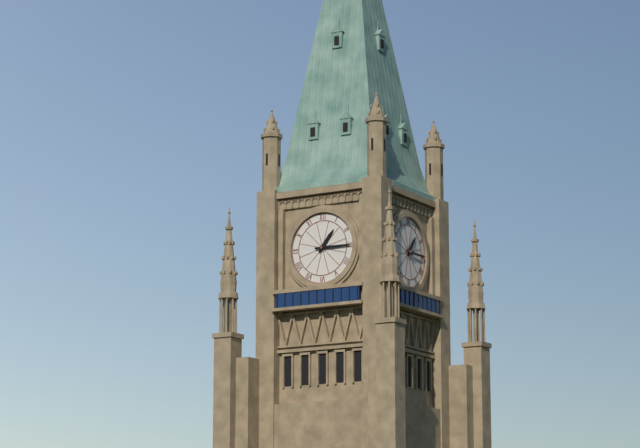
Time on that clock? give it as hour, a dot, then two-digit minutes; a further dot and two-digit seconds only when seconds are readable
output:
1.15
